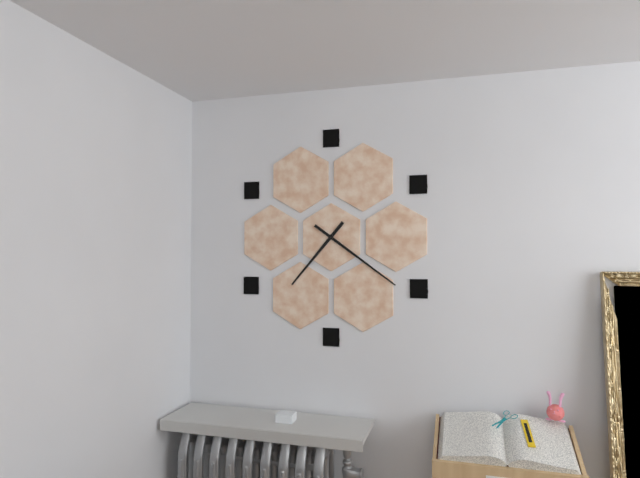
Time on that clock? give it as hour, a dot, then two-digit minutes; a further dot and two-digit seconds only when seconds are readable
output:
7.21
